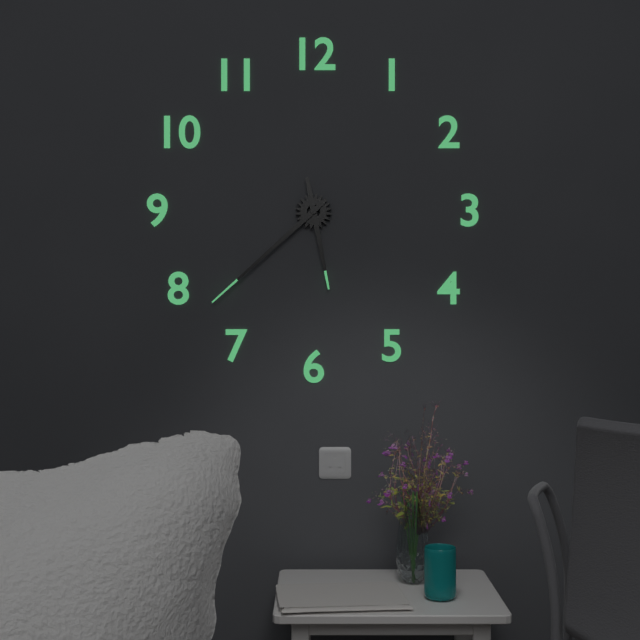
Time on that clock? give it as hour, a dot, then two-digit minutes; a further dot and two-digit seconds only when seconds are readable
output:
5.38
